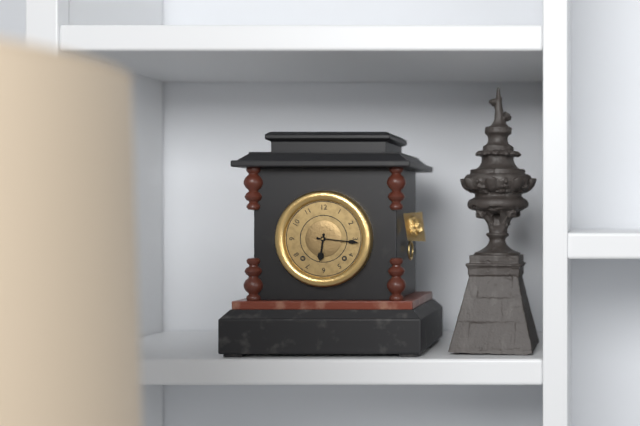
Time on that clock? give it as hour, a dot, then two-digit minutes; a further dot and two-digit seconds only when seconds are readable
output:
6.16
